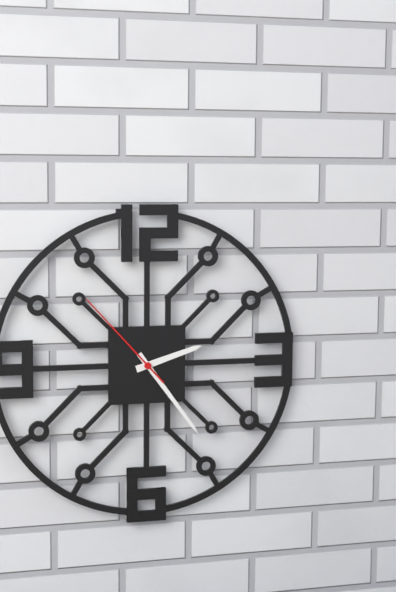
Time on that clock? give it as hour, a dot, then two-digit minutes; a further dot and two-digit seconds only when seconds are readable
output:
2.24.53
